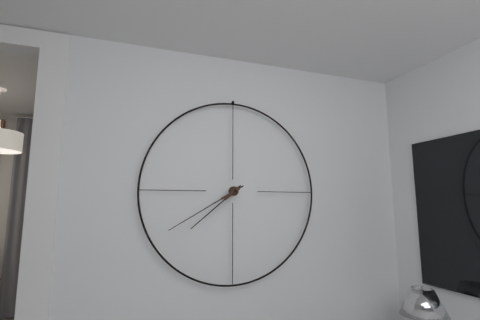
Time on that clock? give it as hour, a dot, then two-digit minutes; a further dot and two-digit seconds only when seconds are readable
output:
7.40
